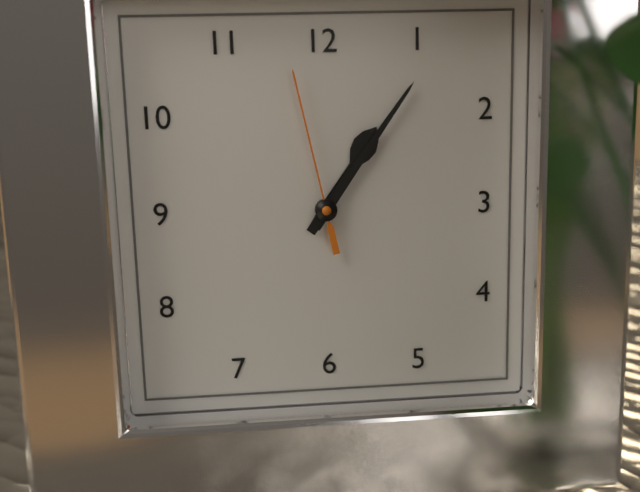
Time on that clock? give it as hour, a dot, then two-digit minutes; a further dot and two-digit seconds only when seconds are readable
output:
1.06.58
